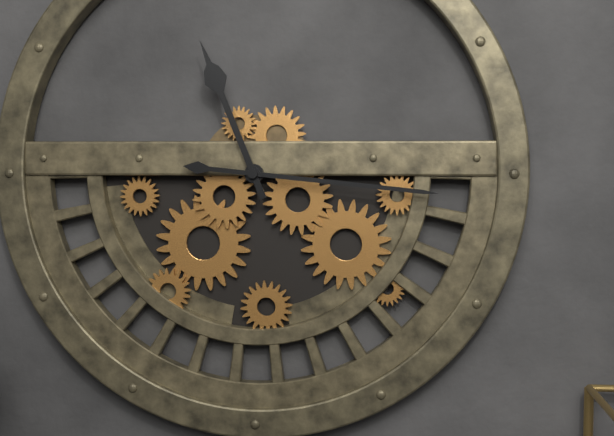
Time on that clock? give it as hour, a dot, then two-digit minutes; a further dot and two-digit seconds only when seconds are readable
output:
11.16
